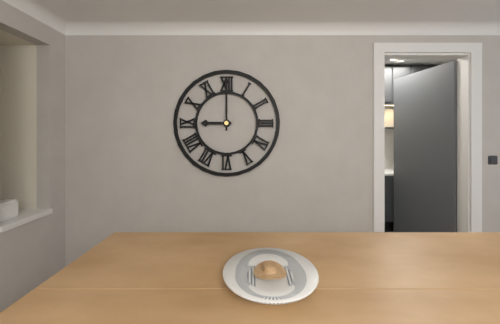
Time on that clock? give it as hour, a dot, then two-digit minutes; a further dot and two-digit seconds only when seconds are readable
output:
9.00
